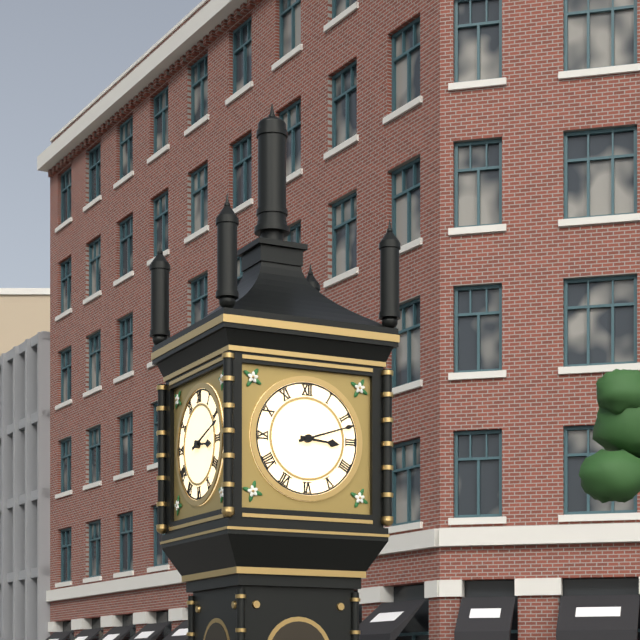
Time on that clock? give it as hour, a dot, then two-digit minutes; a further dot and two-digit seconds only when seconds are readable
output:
3.12
